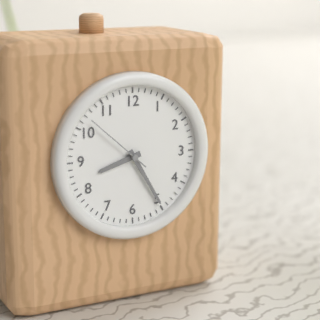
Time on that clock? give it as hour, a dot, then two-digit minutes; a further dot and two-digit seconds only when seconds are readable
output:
8.25.52
